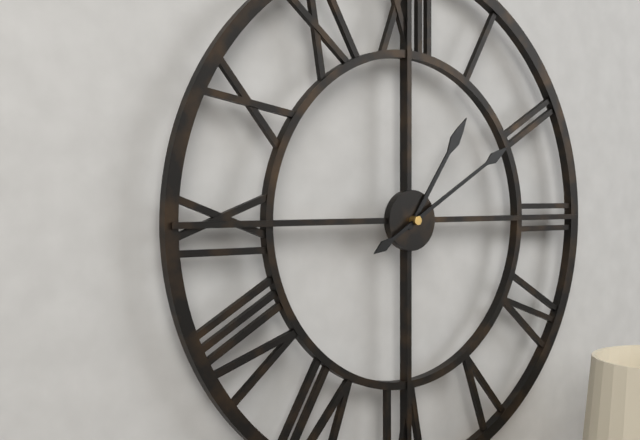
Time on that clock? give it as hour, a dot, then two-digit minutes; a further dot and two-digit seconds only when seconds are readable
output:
1.10
